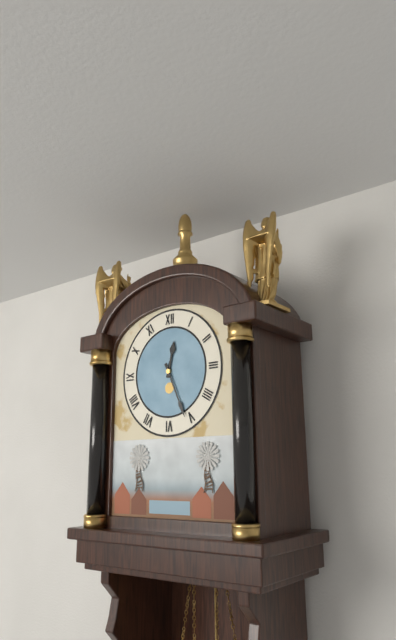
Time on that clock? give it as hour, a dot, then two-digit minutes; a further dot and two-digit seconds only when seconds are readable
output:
12.26
